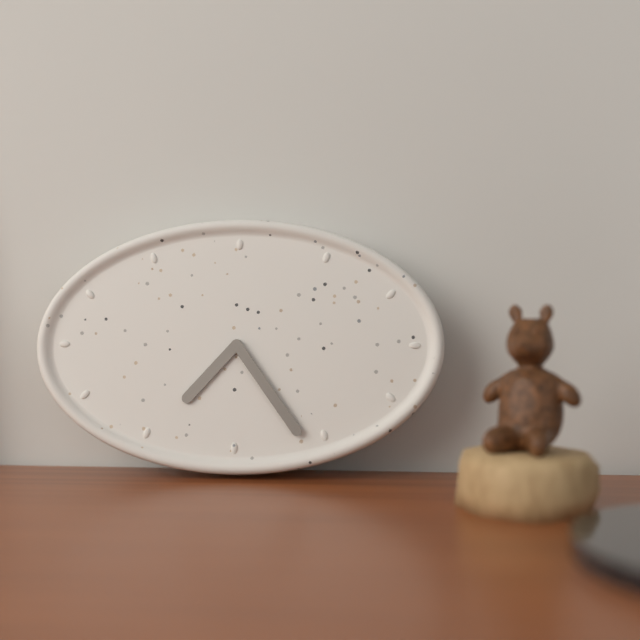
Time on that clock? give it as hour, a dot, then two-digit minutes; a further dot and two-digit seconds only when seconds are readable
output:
7.24
